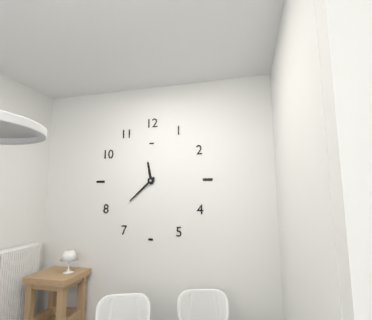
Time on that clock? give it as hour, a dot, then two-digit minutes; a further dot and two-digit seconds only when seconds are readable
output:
11.38
